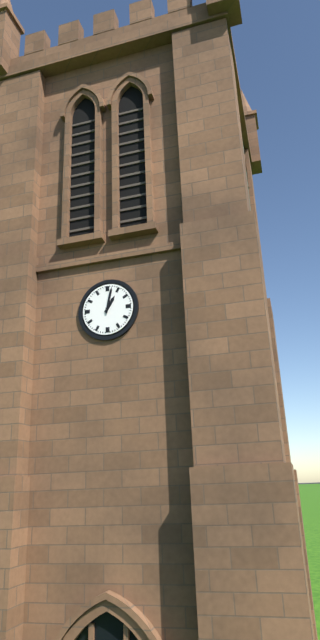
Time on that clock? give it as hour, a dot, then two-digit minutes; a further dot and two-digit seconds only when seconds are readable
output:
1.02
